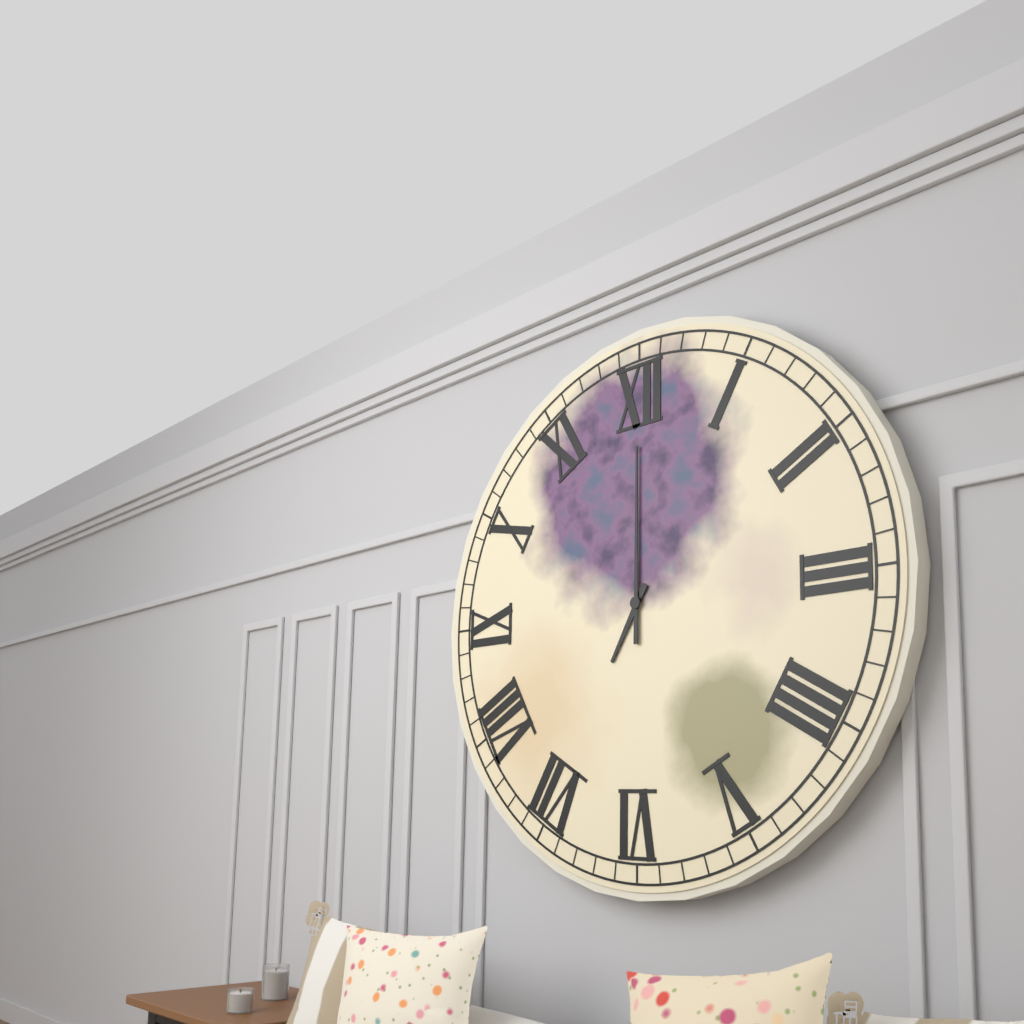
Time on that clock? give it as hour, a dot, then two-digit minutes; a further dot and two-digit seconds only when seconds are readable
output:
7.00
